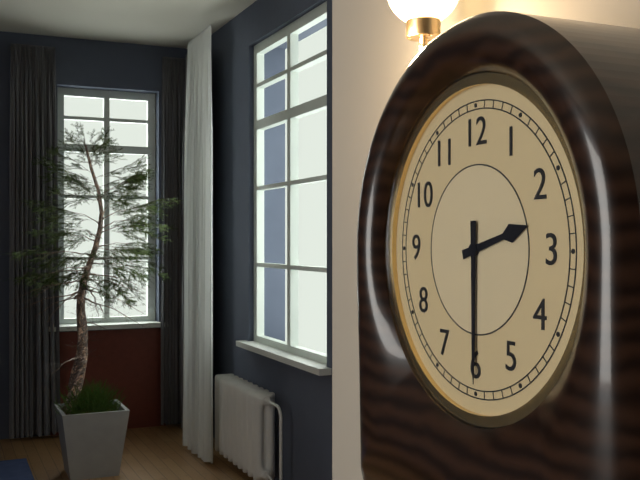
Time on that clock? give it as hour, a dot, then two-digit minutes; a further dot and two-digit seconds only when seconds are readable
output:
2.30
